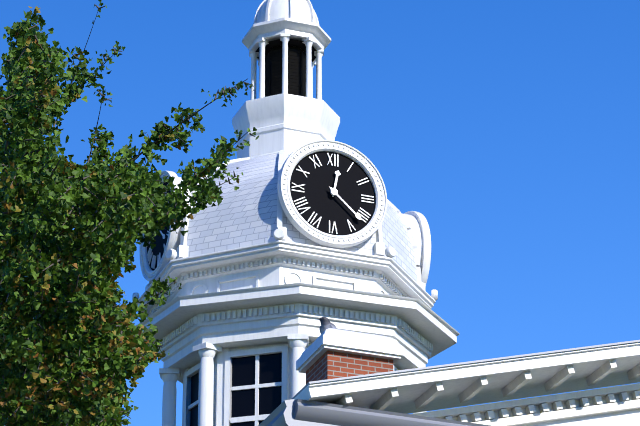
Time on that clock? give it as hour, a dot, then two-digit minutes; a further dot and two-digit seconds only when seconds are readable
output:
12.22
